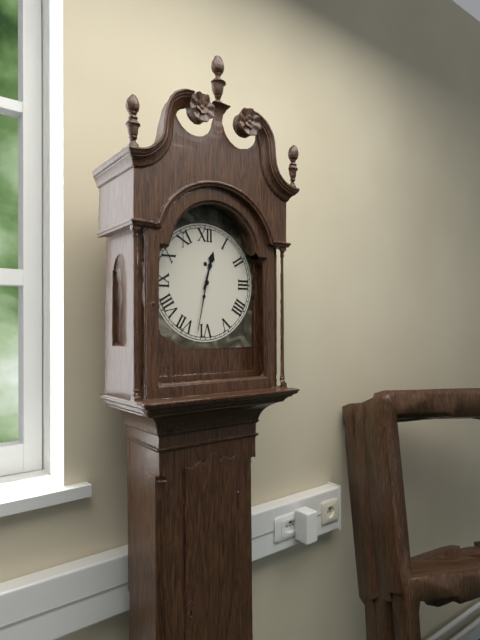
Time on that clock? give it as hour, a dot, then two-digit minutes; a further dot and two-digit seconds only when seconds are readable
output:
12.32
